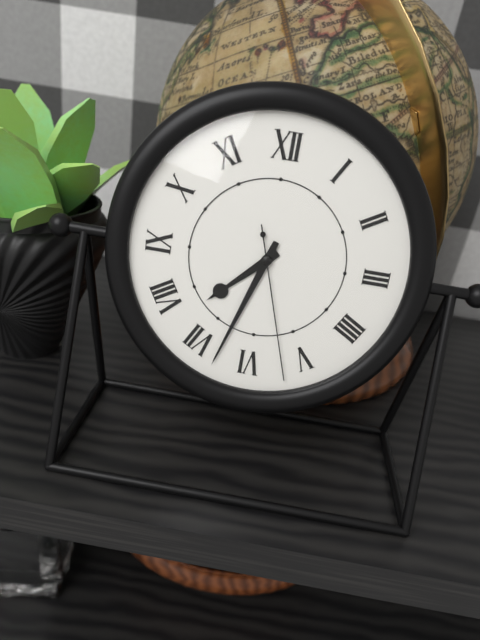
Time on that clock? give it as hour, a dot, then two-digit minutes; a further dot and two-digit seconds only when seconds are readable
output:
7.33.27
